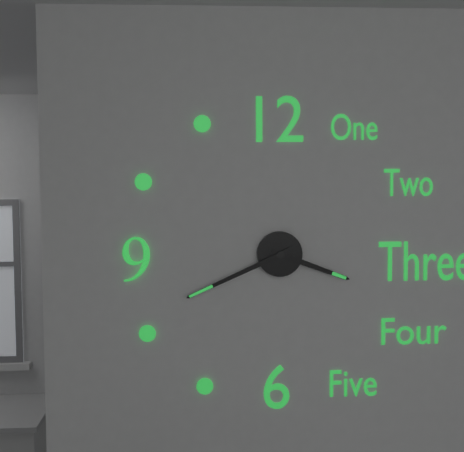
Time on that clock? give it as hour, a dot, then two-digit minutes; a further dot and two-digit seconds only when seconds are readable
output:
3.41
